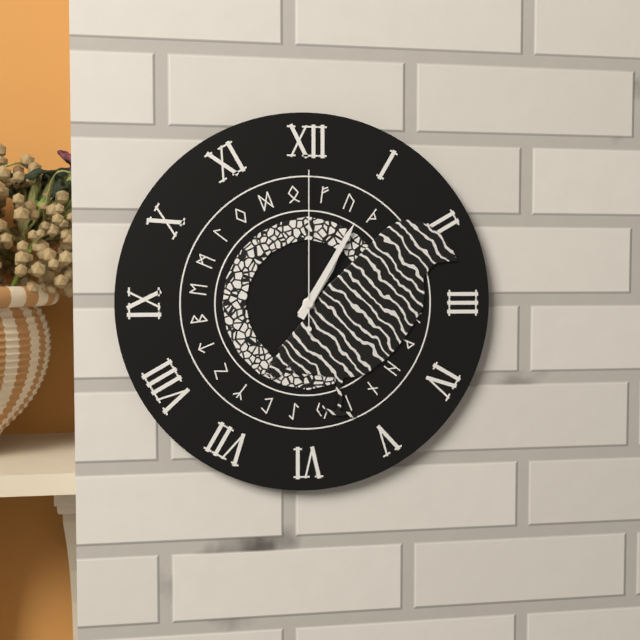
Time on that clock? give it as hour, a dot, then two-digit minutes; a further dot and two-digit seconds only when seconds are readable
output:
1.05.00
